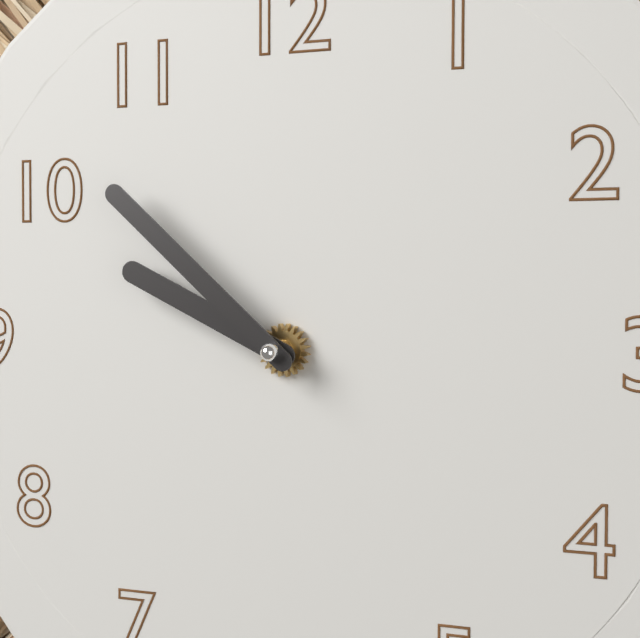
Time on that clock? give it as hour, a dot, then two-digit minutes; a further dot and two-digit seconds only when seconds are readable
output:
9.52
